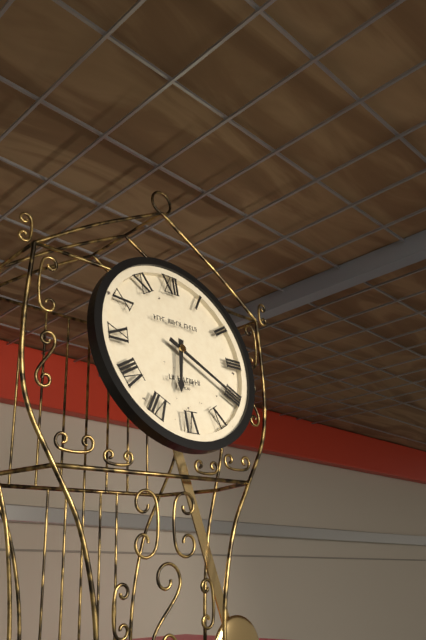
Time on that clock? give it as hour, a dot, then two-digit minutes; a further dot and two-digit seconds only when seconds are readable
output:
6.20
